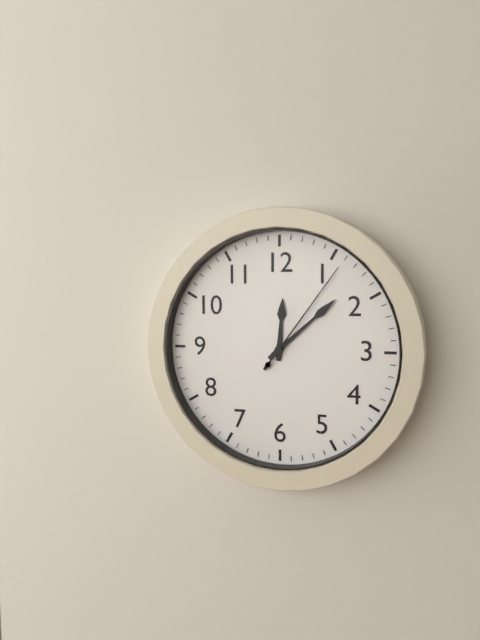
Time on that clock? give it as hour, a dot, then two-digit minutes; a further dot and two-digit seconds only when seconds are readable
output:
12.08.06
